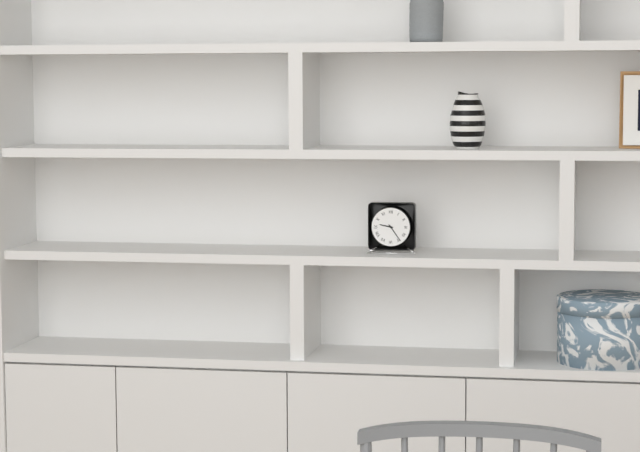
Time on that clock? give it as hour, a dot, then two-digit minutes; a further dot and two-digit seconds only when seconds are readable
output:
9.24
